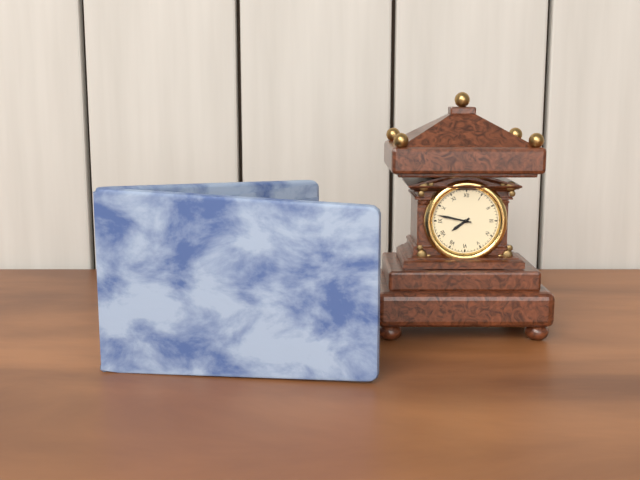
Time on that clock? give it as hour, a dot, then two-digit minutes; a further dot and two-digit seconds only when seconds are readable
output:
7.47
